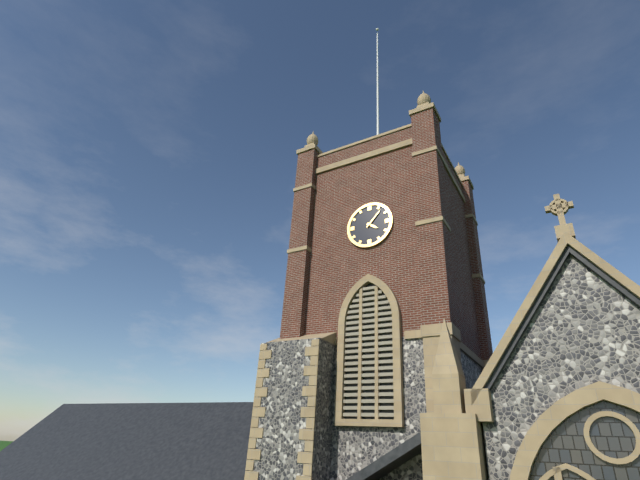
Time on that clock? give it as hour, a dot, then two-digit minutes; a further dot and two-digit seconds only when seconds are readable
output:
4.07
